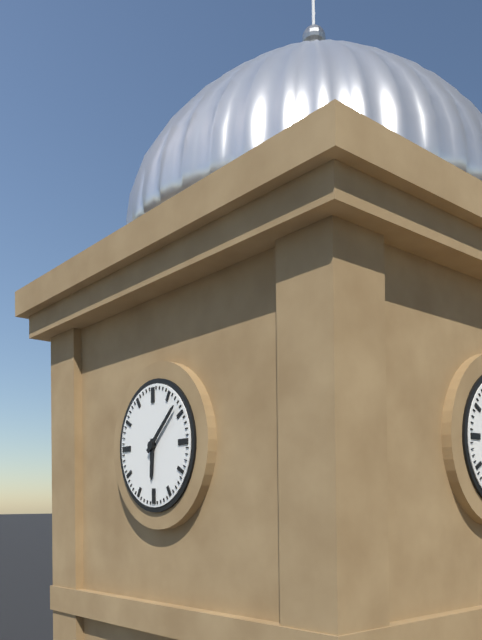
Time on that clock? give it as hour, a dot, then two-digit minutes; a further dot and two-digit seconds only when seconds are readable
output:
6.08
